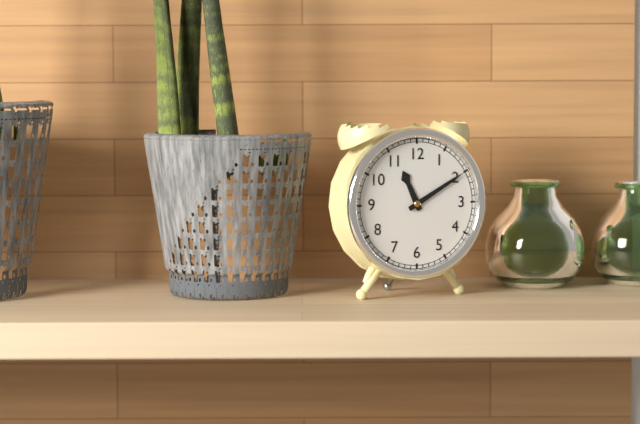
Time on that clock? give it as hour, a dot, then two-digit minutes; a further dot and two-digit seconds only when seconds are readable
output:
11.10
